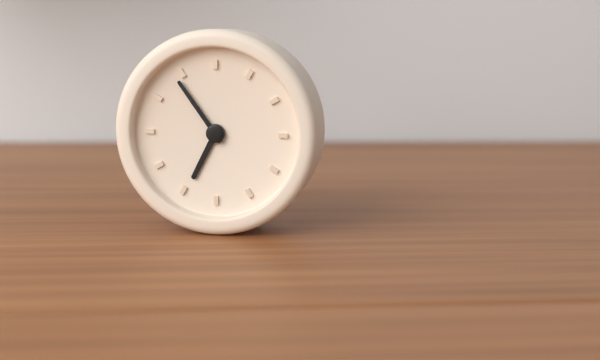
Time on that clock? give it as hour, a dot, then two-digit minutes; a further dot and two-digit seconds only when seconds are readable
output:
6.54
